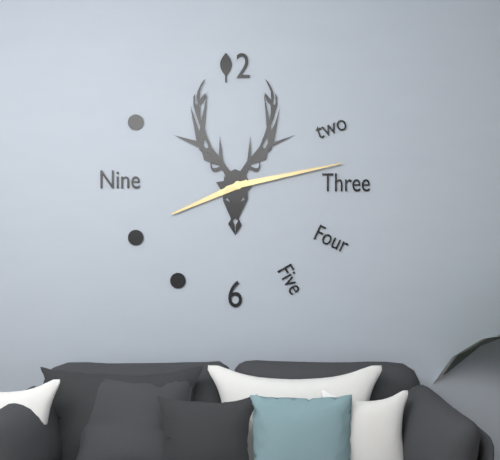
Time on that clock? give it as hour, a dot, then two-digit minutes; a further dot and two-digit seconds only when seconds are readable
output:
8.13
